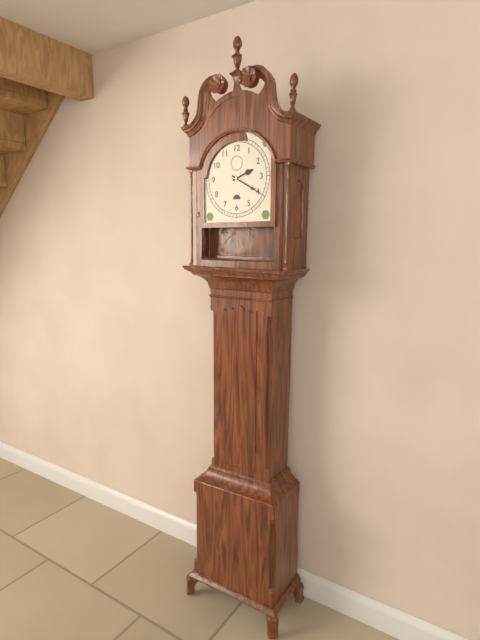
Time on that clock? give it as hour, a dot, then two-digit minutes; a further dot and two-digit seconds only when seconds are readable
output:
2.20
